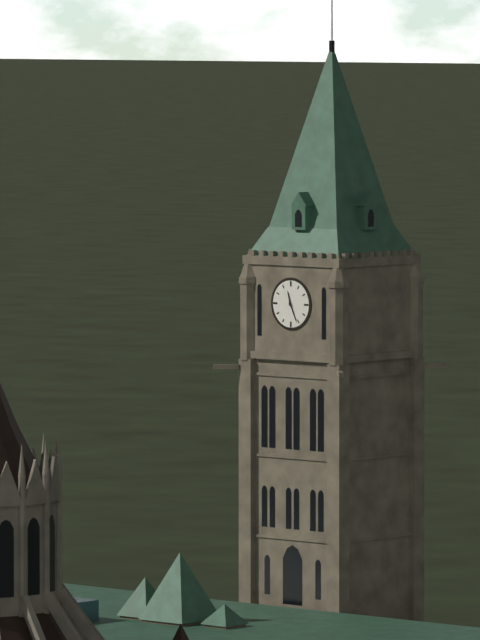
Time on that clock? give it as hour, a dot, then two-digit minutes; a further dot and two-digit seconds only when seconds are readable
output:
11.26
